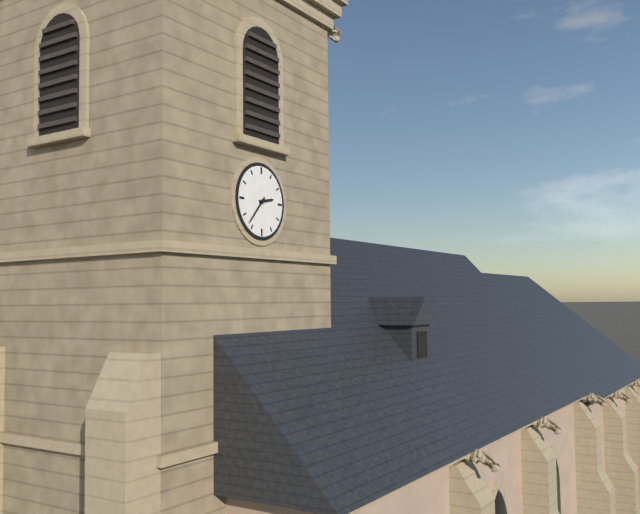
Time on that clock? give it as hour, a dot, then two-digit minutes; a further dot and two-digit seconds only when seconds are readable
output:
2.37
